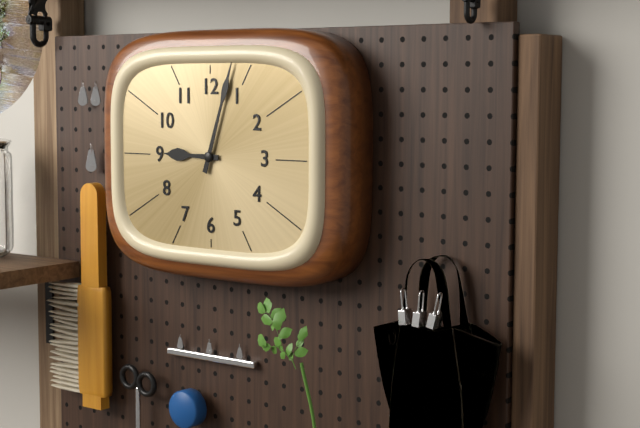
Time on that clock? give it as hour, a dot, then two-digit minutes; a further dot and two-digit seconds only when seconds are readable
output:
9.03
